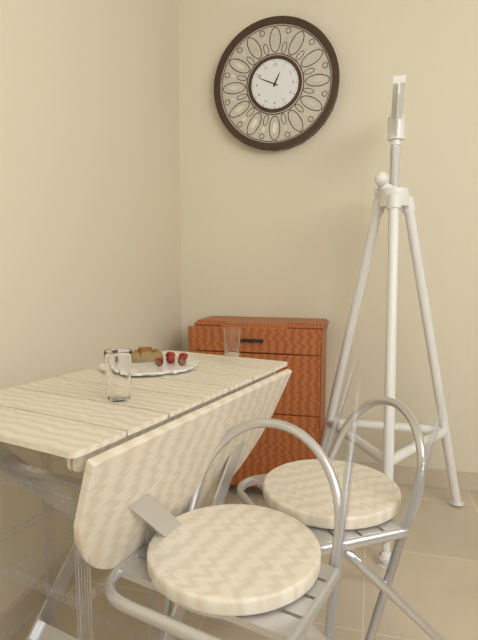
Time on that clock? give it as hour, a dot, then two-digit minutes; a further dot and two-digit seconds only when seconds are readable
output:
12.49
